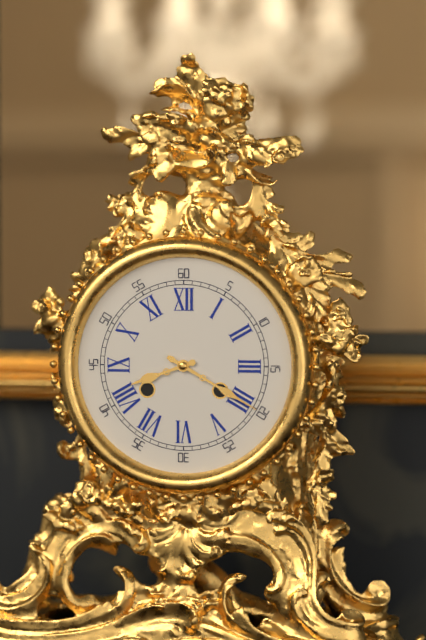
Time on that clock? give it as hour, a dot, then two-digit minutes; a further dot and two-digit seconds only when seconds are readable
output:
8.20
